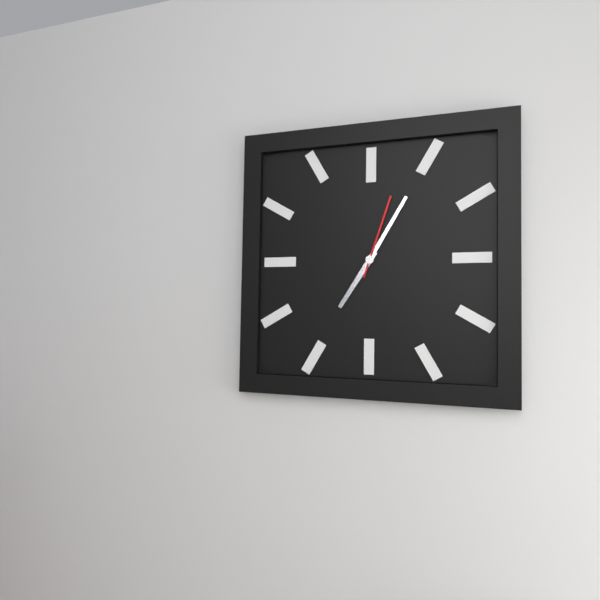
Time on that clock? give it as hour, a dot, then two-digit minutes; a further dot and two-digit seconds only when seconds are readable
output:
7.05.03
